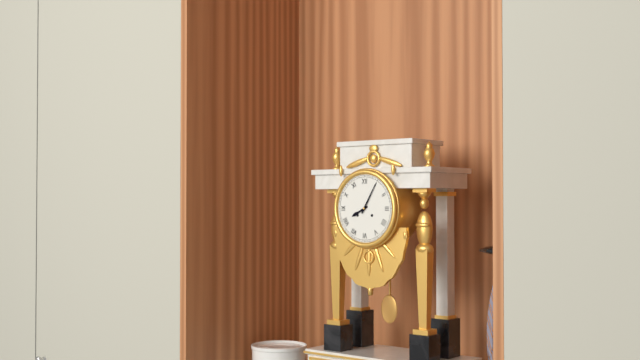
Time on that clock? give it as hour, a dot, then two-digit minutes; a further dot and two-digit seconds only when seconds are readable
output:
8.05
